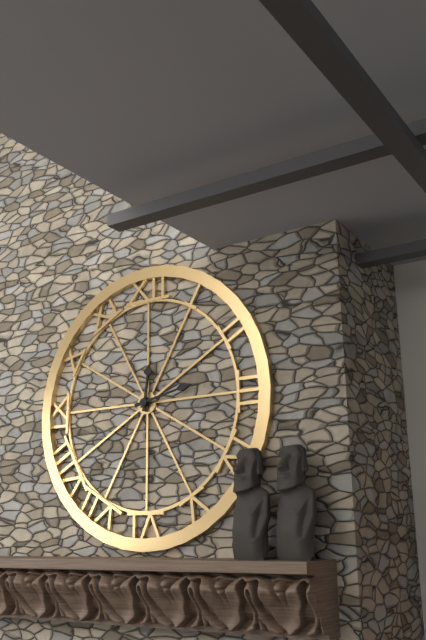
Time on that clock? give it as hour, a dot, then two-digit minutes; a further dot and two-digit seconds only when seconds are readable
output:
12.13
